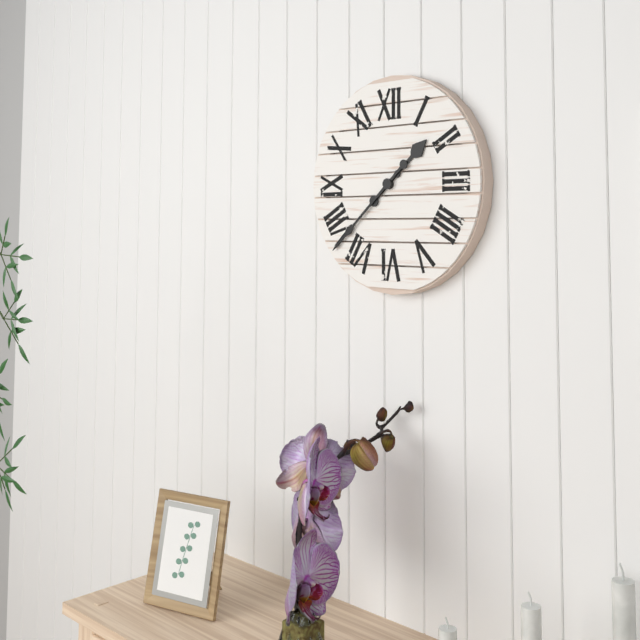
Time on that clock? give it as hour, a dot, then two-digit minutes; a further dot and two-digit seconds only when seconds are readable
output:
1.38
